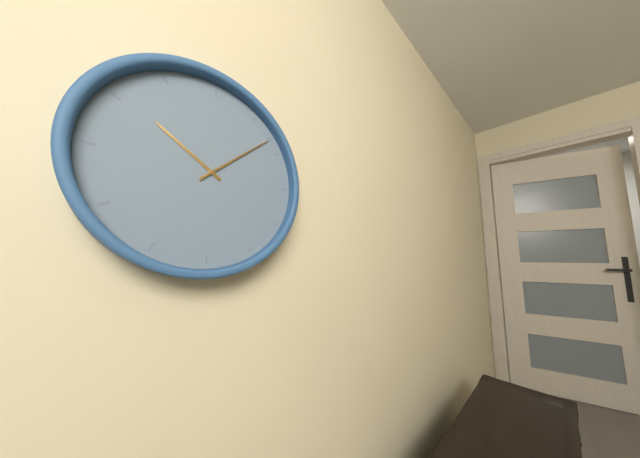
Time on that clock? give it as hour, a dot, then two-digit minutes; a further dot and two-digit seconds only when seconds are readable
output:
10.08
